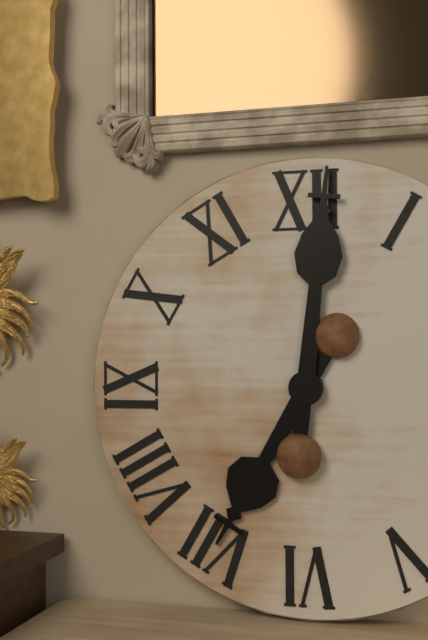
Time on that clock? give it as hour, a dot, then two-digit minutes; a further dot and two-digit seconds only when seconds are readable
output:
7.01
